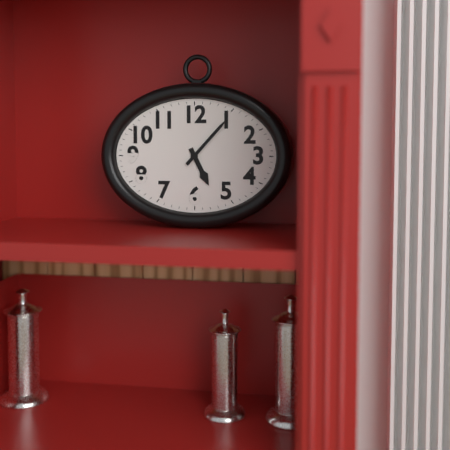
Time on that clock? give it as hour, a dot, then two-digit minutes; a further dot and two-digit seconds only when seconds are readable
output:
5.07
